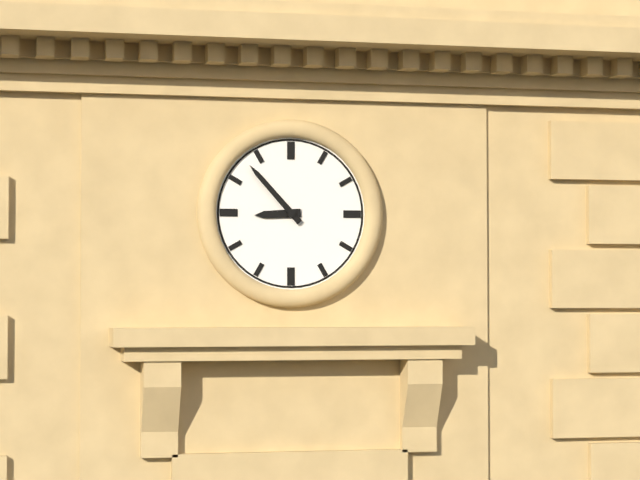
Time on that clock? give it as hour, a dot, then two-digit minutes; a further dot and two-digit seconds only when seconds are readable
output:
8.53
